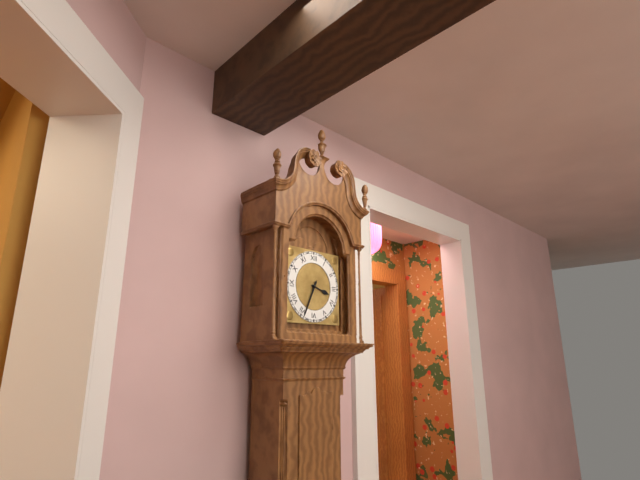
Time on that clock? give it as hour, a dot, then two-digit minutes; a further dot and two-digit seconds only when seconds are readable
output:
3.34
